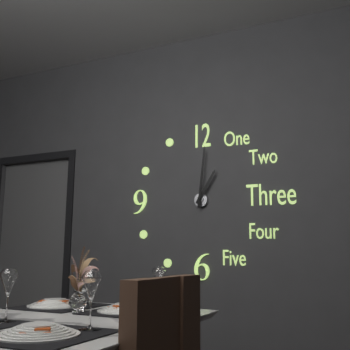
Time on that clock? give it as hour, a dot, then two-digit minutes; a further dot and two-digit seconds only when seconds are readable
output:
1.01
